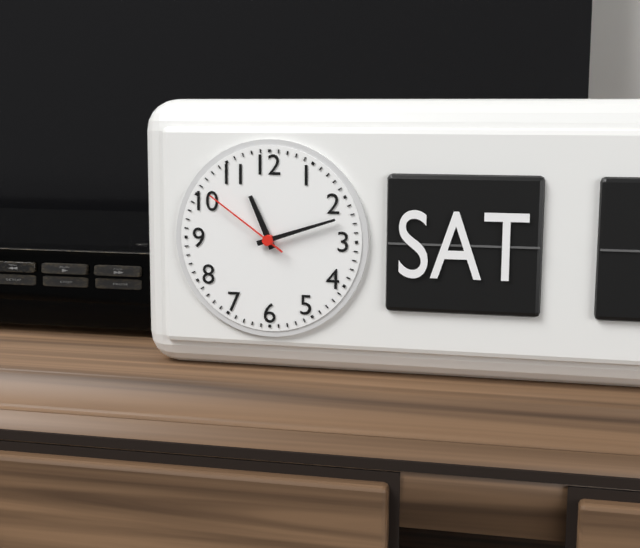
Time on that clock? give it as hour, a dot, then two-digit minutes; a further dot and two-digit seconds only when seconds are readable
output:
11.12.51
